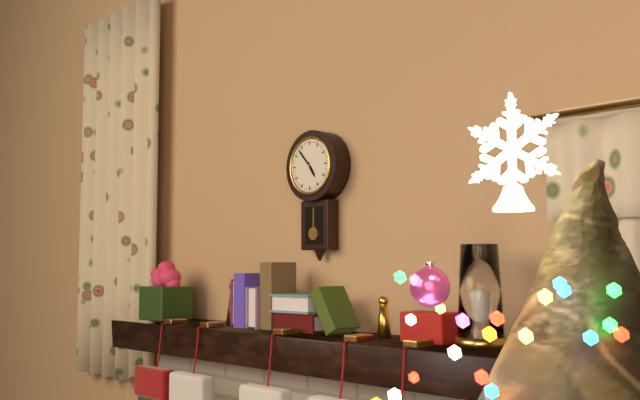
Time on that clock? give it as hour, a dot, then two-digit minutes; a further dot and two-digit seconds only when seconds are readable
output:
4.53
